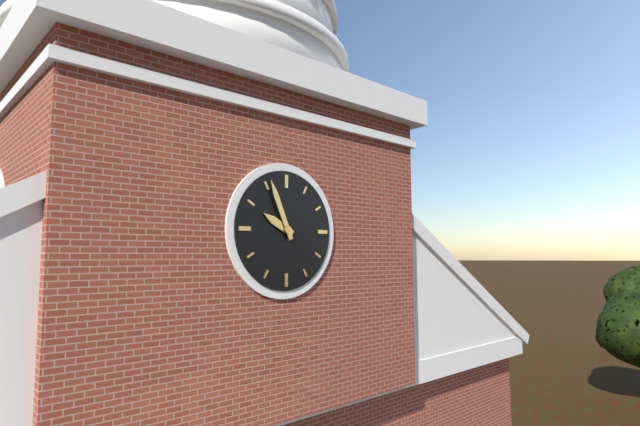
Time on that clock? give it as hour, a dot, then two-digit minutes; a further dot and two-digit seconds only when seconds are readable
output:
9.56
